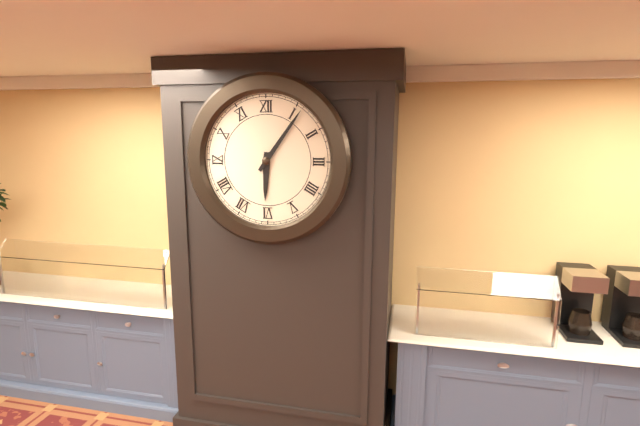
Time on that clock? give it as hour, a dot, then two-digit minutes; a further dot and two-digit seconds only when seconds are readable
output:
6.06
